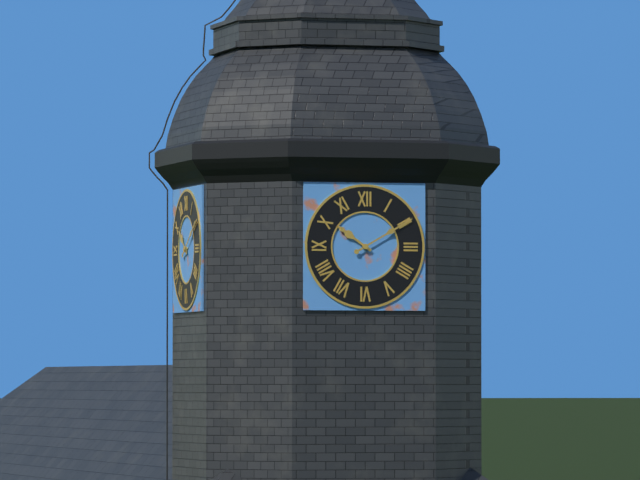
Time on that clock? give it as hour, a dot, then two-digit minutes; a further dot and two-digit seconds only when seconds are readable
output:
10.10
